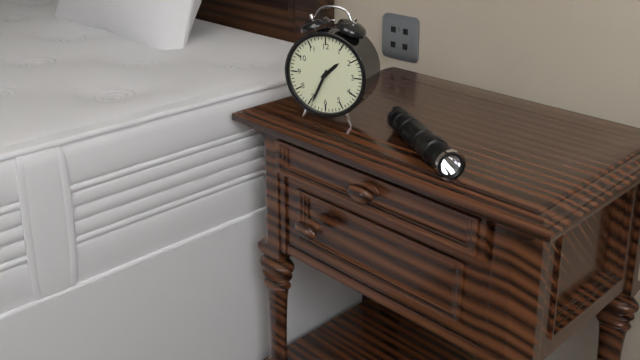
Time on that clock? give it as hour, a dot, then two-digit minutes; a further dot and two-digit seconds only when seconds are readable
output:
1.34
